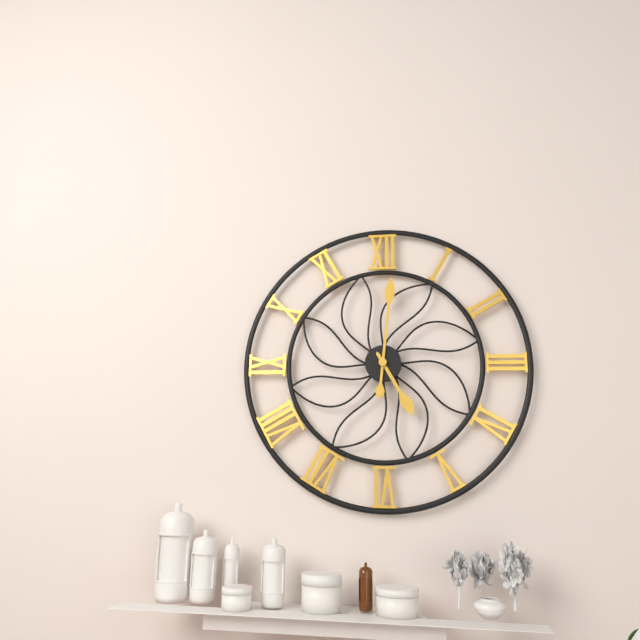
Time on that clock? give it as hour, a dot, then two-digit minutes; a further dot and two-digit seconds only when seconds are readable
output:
5.01
